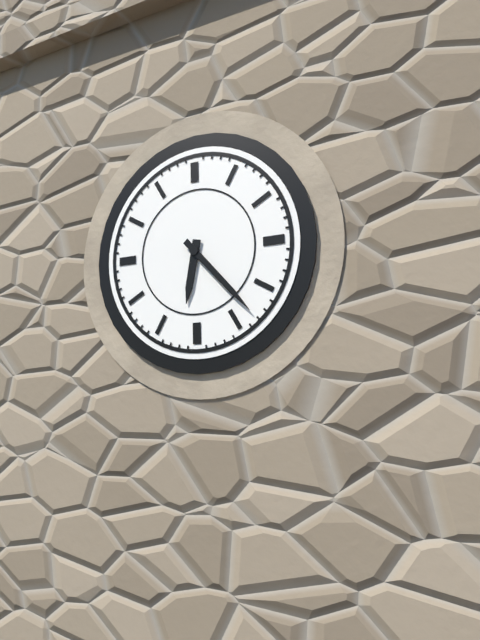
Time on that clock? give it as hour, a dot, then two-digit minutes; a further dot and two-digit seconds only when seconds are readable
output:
6.23
